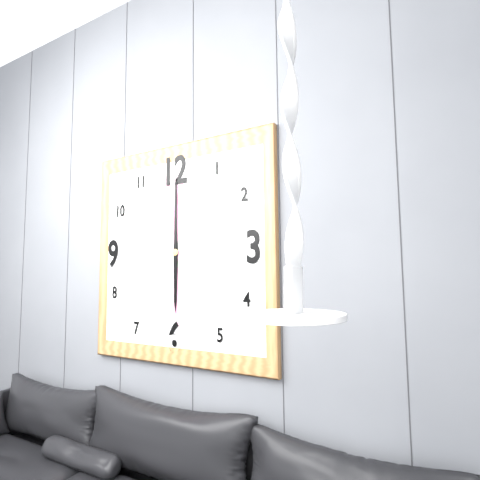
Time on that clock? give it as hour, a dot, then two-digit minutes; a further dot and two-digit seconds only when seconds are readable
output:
6.00
